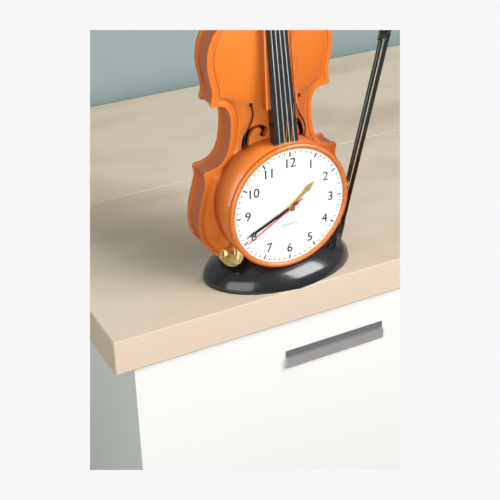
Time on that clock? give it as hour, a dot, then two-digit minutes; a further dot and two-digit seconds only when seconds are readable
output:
1.41.40
